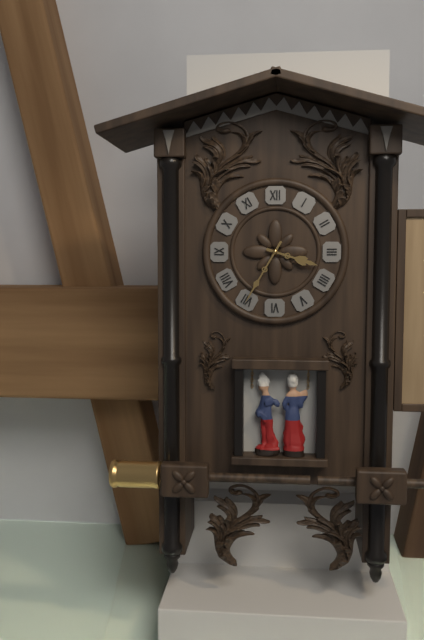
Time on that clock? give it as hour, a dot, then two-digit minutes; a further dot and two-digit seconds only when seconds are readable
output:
3.35
